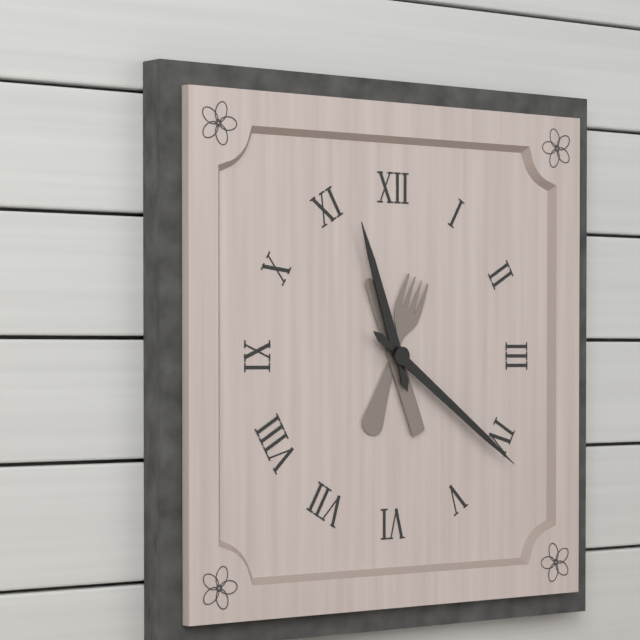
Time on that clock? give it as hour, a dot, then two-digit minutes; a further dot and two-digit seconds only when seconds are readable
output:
11.21
